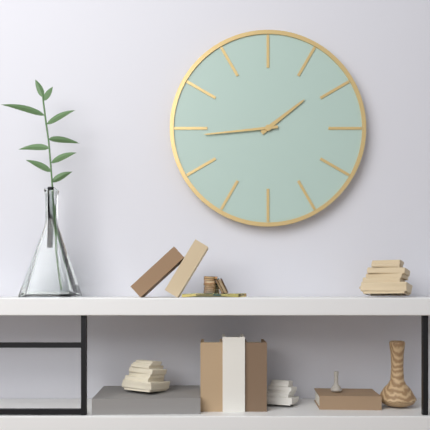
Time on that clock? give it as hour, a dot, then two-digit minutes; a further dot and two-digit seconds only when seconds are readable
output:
1.44
